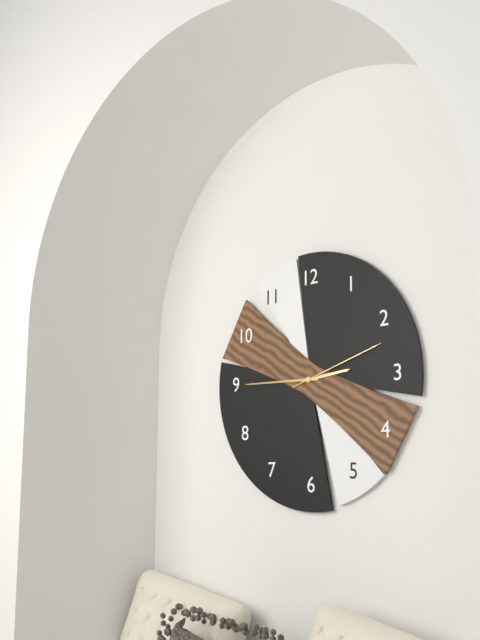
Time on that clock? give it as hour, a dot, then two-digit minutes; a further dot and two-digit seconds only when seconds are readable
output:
2.45.12
